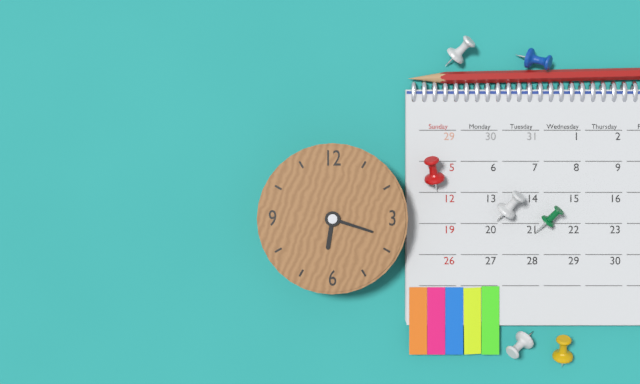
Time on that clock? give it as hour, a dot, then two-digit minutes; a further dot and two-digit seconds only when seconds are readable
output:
6.18
